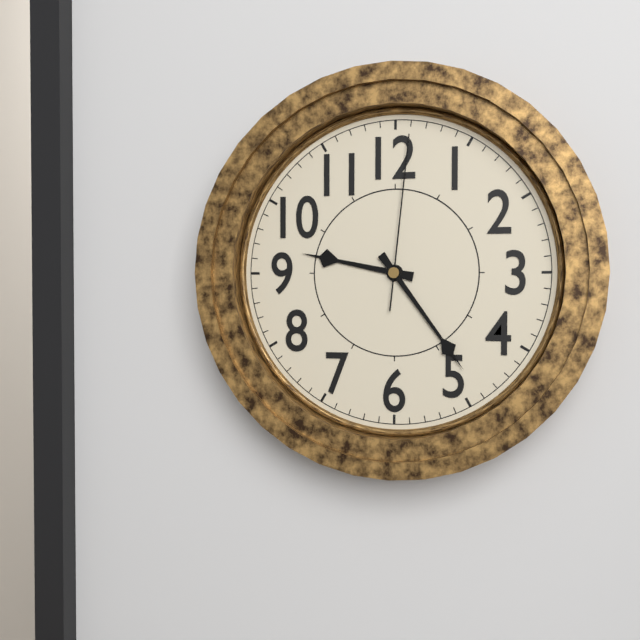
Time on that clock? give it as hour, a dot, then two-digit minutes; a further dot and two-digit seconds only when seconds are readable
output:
9.24.01
